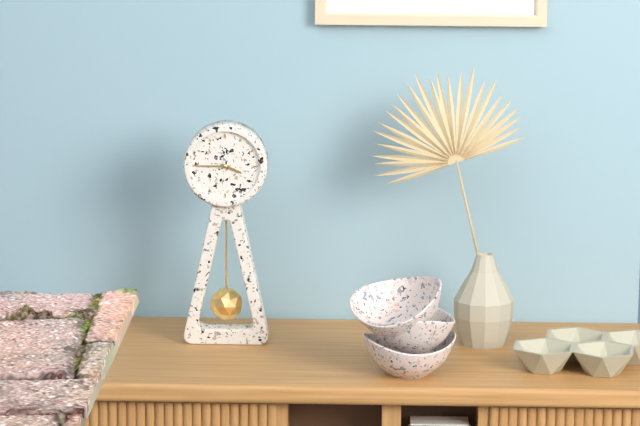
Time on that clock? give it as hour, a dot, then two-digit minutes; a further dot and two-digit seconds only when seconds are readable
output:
3.45
